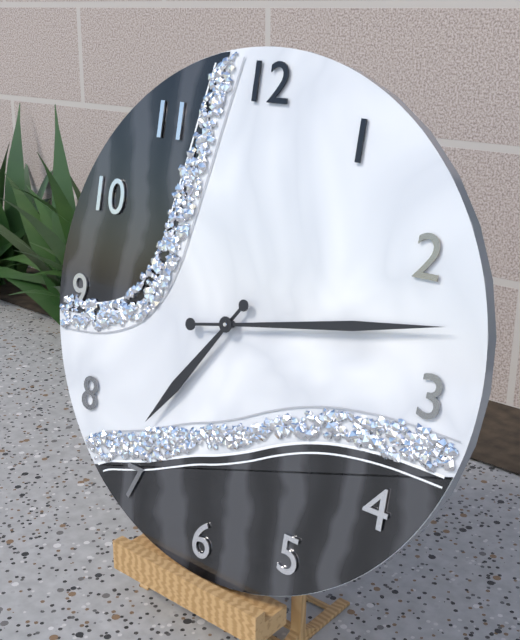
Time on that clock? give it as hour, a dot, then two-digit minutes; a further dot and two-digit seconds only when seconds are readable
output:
7.13
